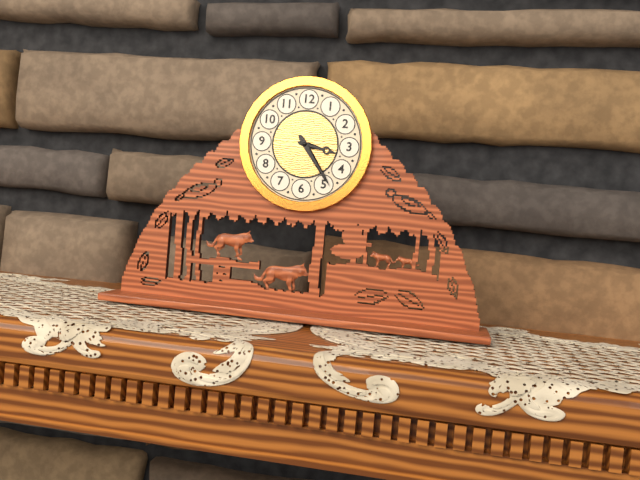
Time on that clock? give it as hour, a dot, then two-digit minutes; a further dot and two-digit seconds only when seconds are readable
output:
3.24
